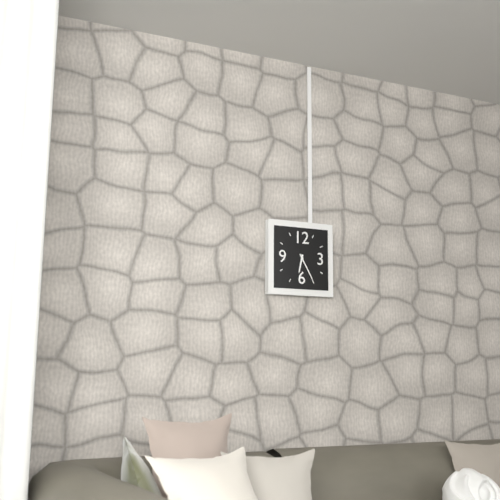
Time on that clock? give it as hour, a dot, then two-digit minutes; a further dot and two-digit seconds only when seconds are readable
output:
6.25
